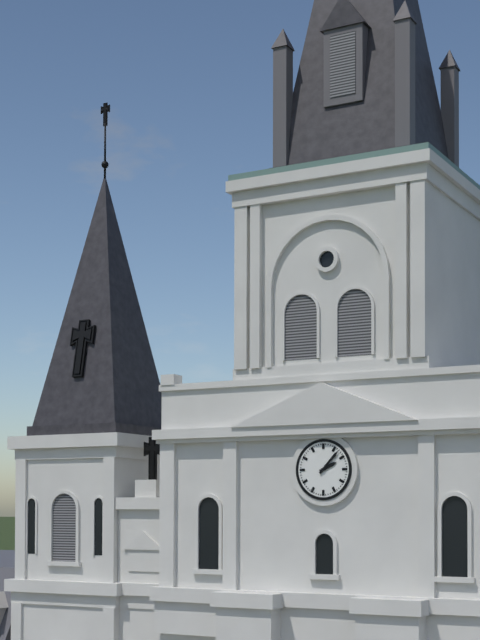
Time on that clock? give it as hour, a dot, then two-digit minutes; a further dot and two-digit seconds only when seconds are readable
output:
2.07
